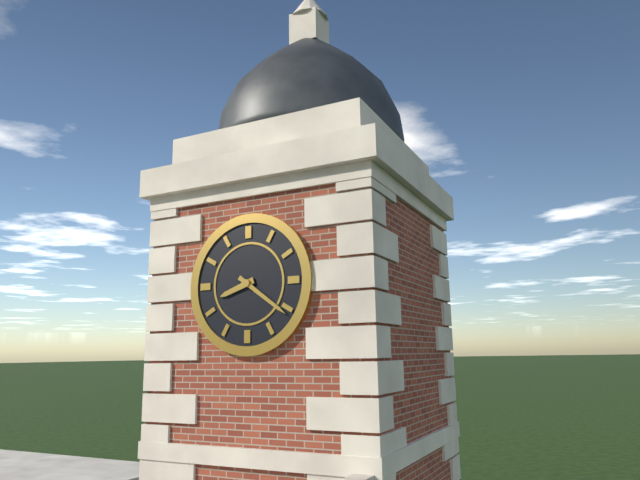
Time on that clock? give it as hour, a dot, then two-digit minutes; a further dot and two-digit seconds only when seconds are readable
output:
8.21
